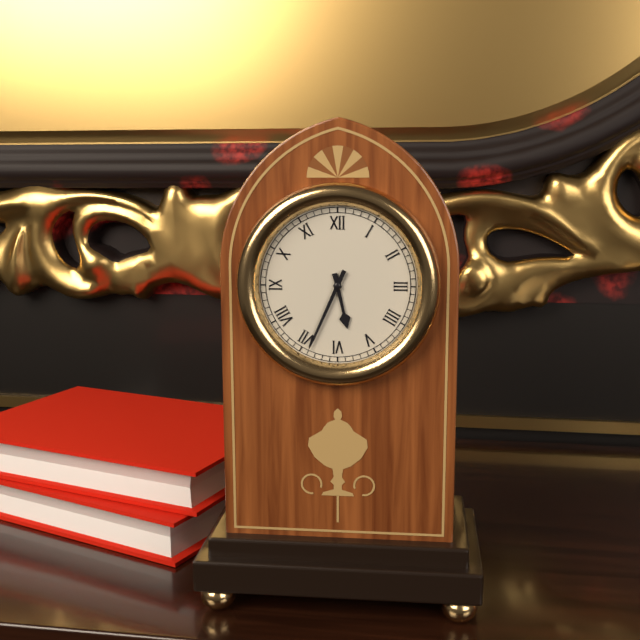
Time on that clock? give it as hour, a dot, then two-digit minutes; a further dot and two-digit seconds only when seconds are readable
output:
5.34
